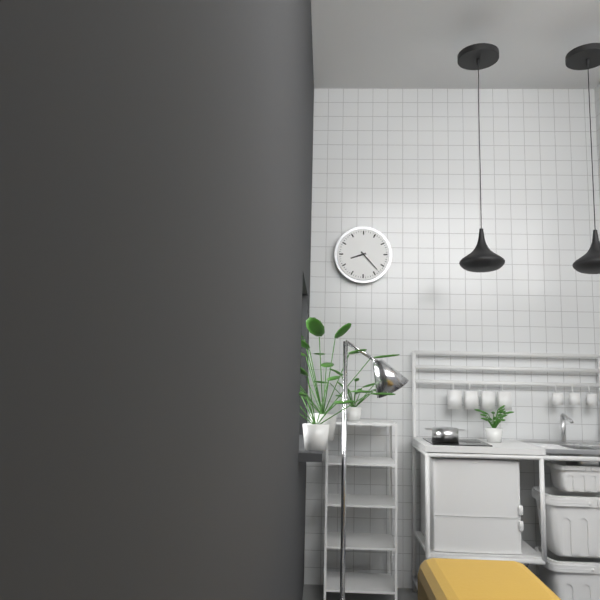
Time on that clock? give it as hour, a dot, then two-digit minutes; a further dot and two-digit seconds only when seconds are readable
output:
8.23
